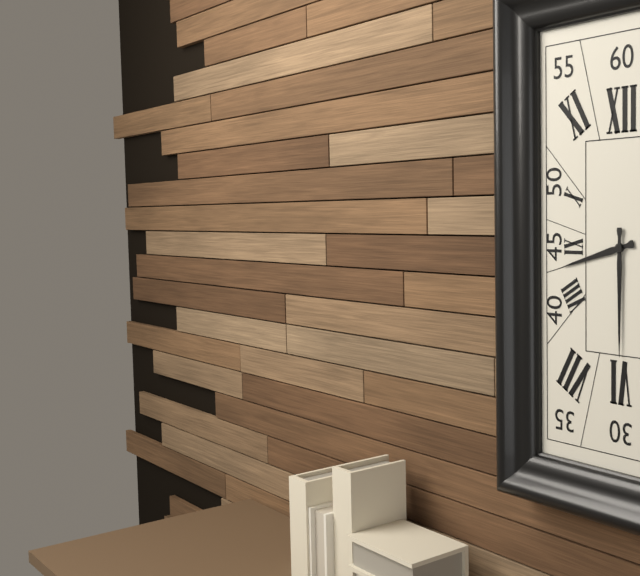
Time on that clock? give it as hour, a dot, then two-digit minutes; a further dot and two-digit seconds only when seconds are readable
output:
8.30
